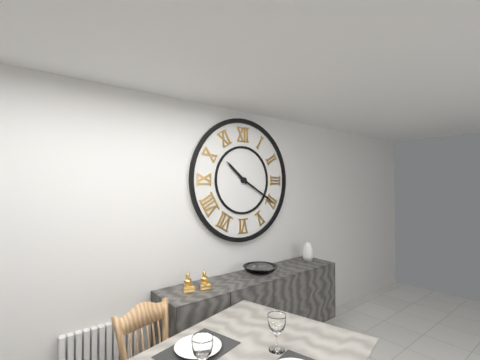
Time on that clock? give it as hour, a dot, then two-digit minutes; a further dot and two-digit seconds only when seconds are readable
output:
10.20
